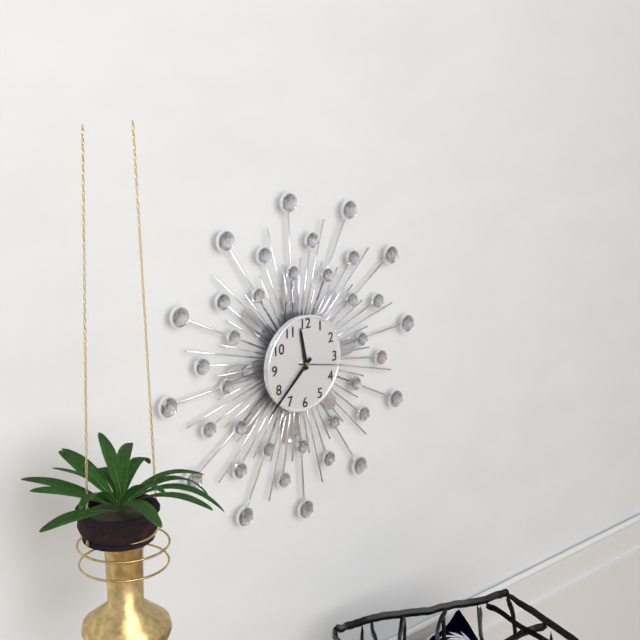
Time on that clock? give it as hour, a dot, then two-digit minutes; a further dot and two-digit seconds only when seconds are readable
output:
11.38
